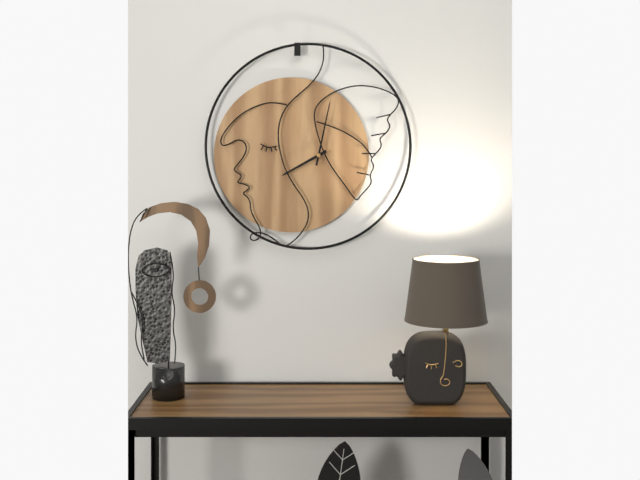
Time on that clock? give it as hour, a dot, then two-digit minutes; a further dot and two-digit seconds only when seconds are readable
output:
8.02
